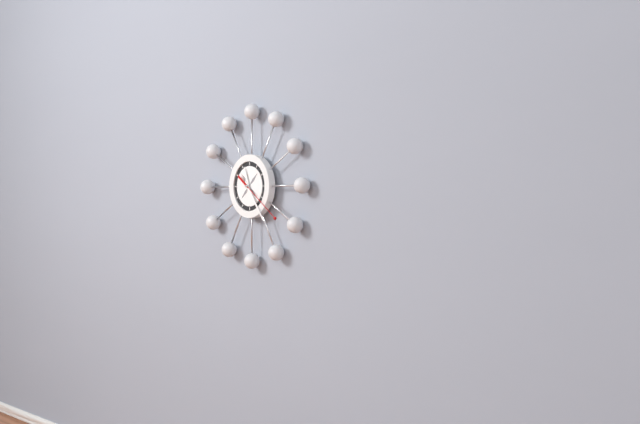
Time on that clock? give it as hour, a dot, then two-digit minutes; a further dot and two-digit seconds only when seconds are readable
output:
11.24.21
